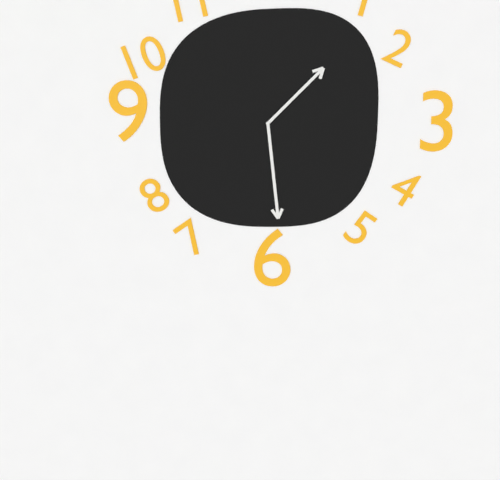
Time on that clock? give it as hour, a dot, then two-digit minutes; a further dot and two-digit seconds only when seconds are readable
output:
1.29
